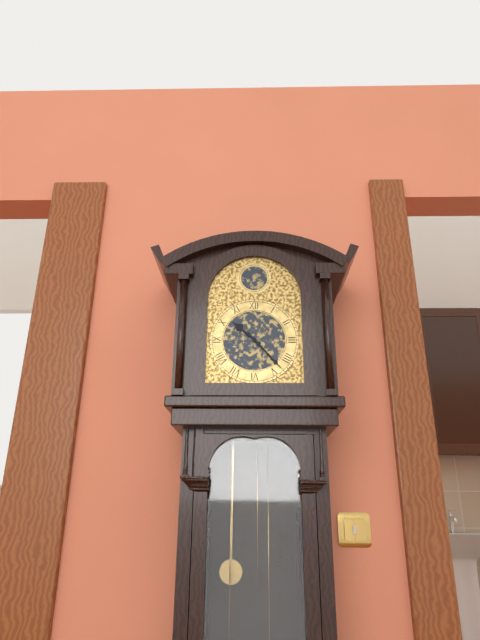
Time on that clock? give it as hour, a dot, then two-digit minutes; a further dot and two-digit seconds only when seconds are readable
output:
10.23
